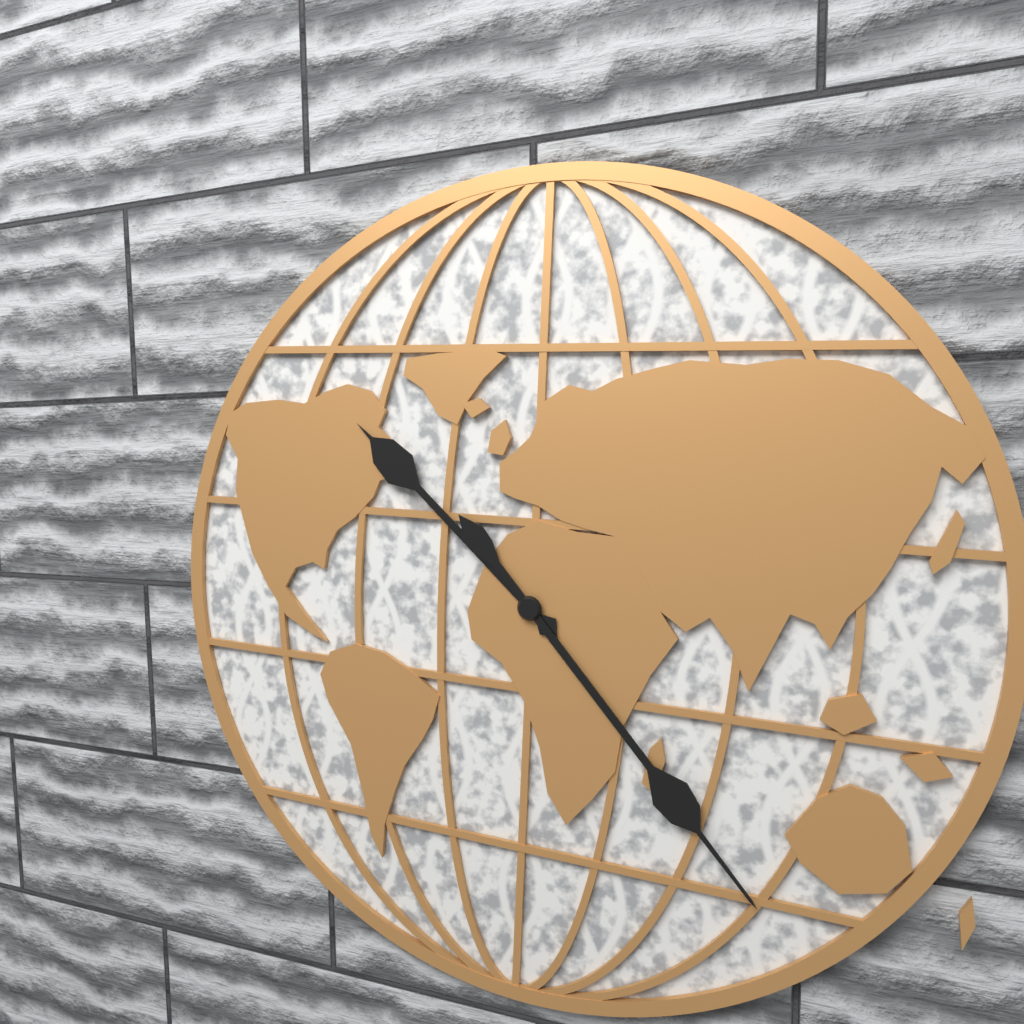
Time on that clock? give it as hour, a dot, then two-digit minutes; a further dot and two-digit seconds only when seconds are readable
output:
10.23
